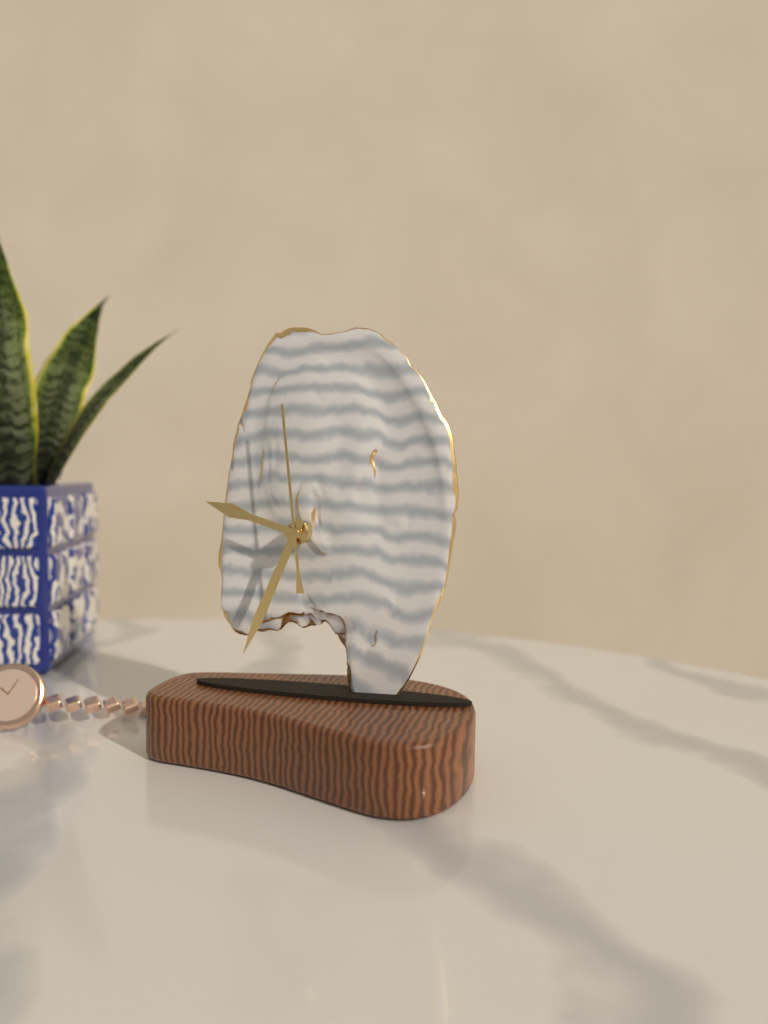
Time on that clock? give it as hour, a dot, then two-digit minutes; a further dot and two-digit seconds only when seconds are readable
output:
9.34.59
